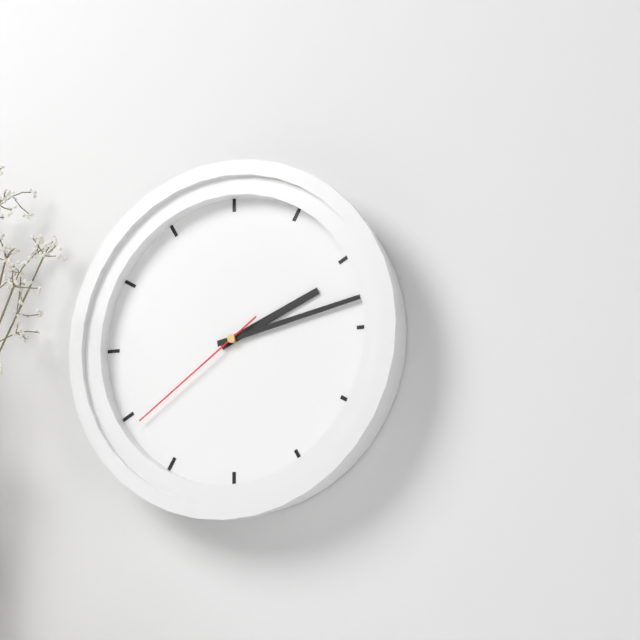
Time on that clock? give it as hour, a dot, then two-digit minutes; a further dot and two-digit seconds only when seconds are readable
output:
2.13.39
